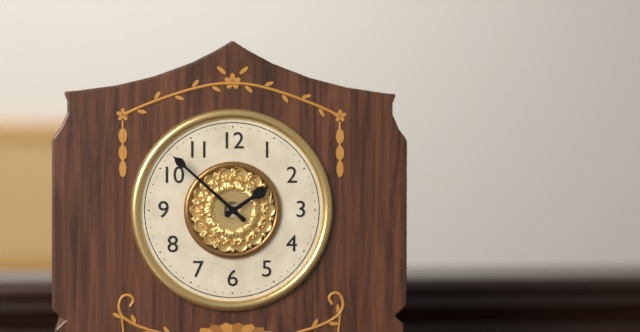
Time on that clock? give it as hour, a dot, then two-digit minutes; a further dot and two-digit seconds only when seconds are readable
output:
1.52
